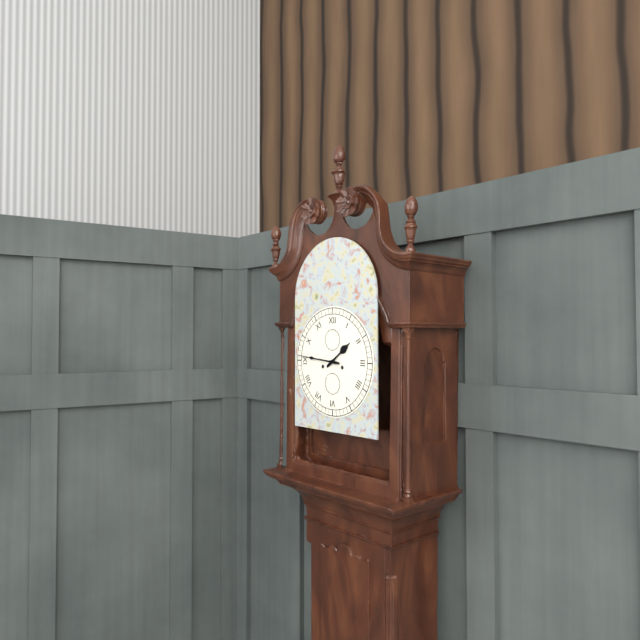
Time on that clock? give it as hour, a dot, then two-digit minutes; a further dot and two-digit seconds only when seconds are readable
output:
1.46
